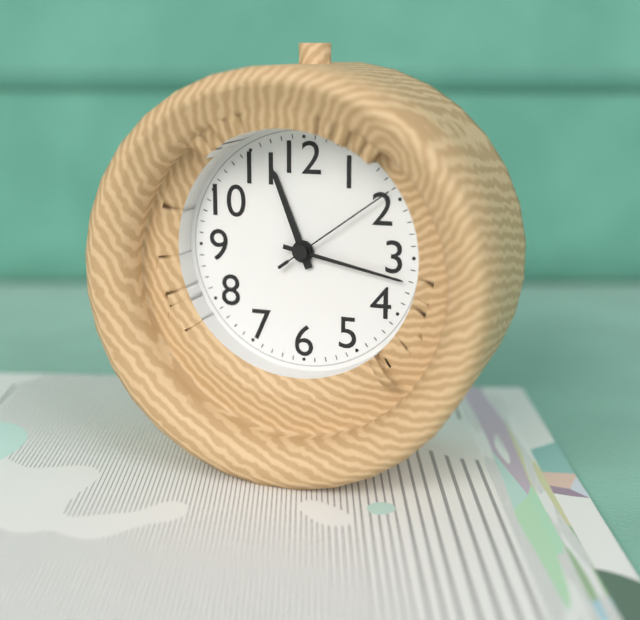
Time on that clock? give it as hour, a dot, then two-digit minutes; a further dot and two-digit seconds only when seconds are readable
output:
11.17.09
